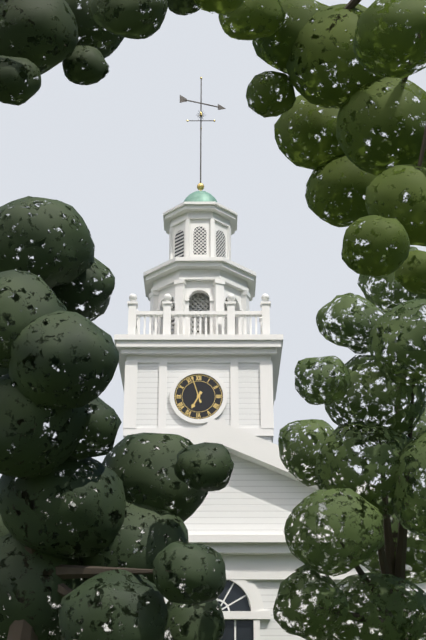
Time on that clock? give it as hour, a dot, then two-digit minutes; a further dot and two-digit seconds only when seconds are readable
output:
6.57
